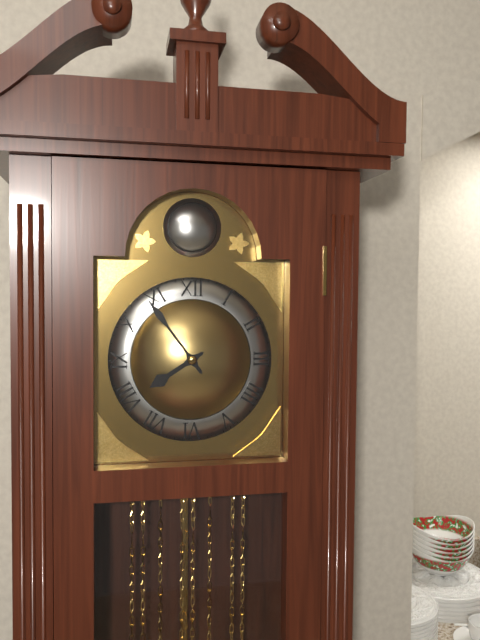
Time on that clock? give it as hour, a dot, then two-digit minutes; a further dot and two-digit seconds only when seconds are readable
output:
7.54
